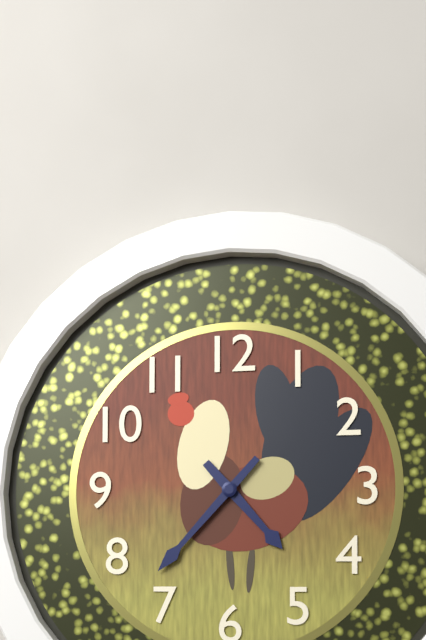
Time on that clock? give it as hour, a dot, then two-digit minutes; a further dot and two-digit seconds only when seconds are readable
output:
4.37
